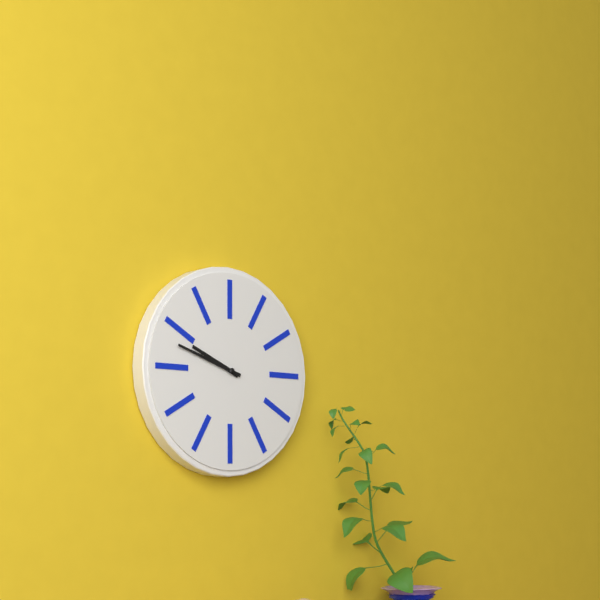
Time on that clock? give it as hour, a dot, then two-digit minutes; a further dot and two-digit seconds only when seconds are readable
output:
9.48
